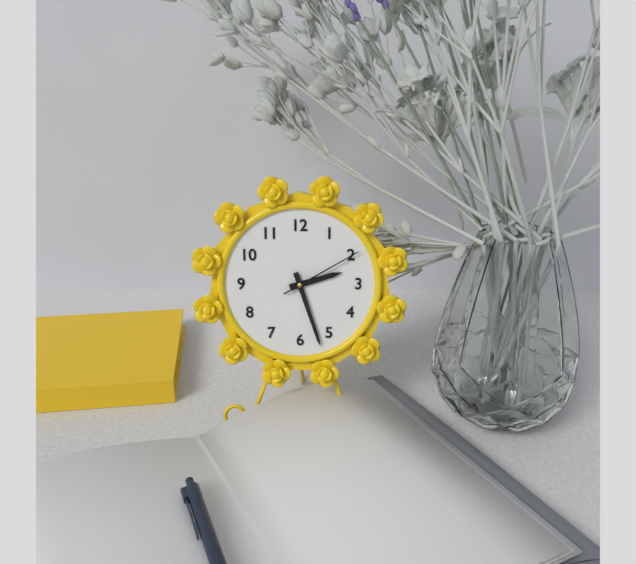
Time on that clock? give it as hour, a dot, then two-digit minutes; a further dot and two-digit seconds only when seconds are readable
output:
2.27.10
